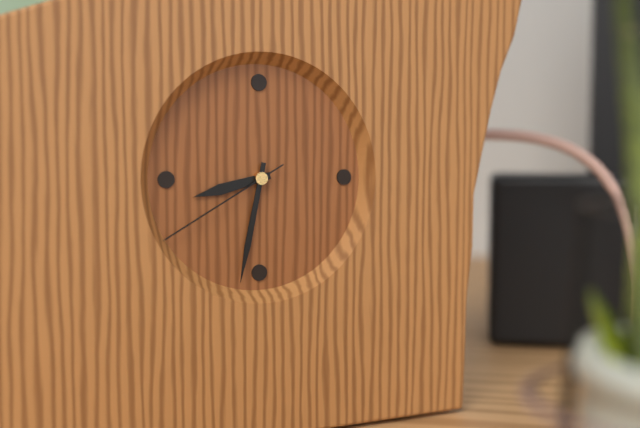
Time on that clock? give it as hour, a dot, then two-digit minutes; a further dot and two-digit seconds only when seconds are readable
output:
8.32.40
